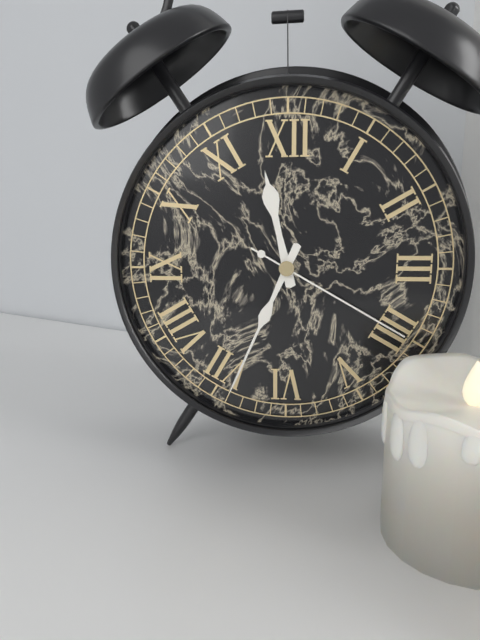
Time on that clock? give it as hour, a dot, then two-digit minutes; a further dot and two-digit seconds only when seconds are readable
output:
11.34.20
